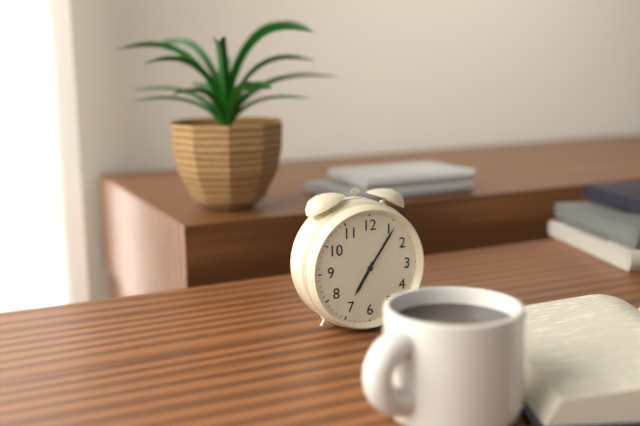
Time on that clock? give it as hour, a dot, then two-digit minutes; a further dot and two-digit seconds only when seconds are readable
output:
7.06
